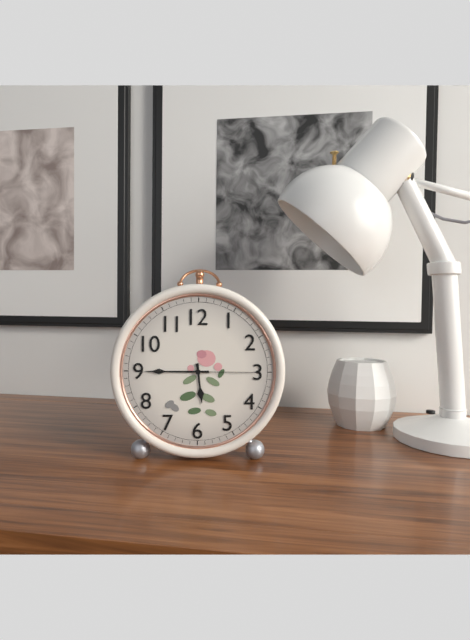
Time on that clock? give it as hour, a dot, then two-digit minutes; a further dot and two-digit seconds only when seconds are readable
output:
5.45.15
